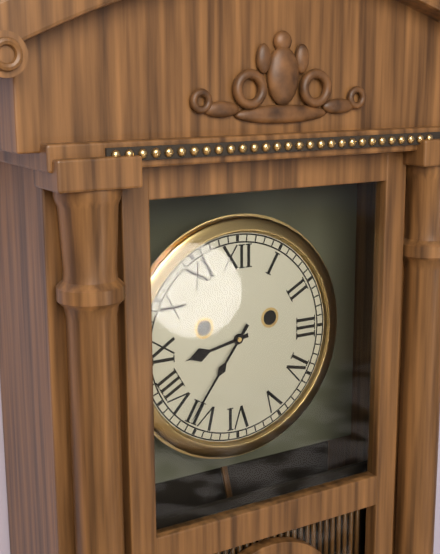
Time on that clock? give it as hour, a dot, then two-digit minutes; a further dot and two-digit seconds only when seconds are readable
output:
8.36
